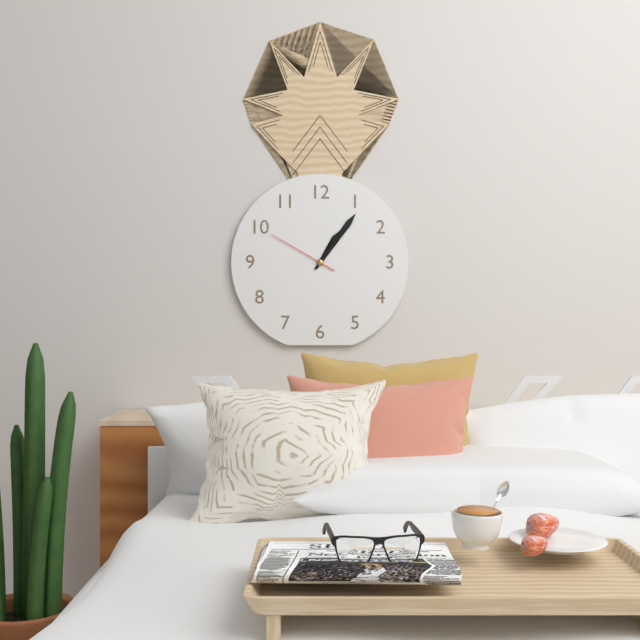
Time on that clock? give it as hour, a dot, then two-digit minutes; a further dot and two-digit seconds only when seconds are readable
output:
1.06.50
